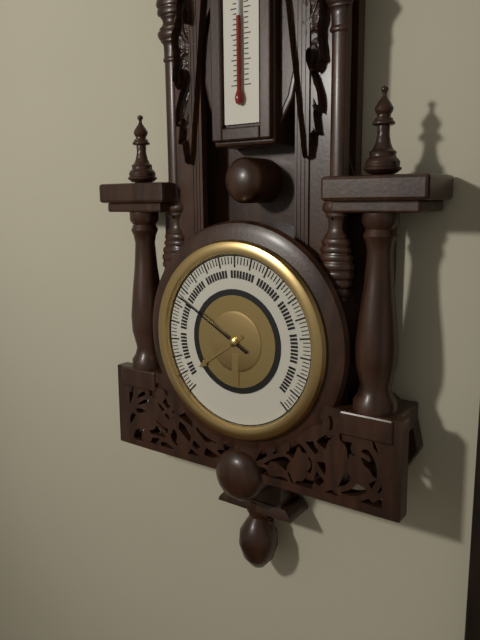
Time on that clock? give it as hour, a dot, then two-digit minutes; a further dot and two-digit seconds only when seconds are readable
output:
7.50
